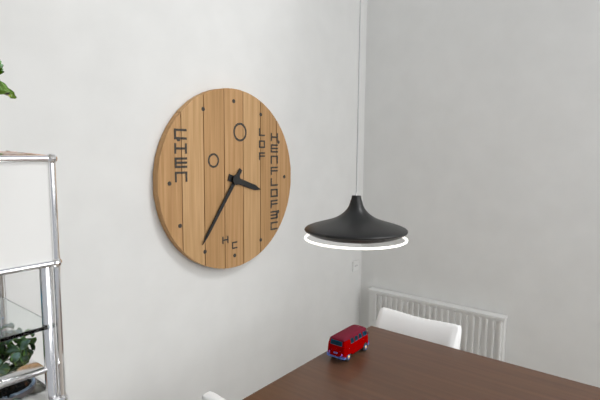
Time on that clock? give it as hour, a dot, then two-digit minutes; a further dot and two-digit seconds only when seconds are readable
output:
3.36
